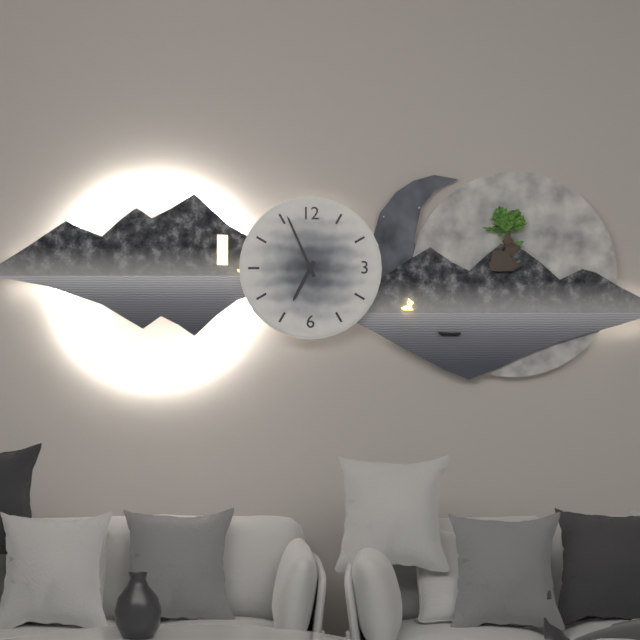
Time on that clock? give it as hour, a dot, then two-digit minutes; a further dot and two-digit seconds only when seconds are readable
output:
6.56
